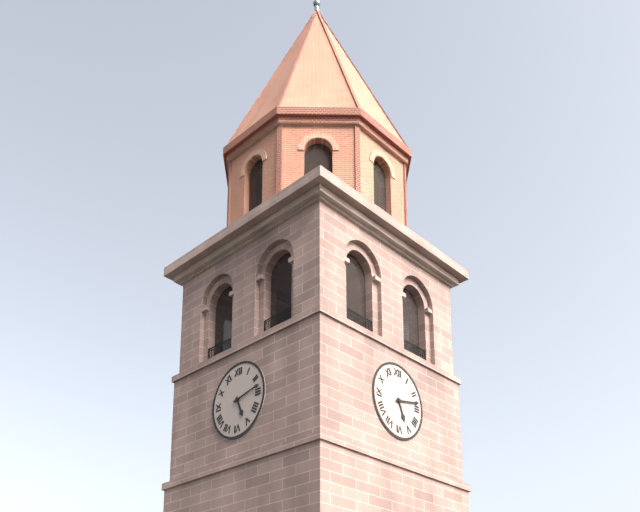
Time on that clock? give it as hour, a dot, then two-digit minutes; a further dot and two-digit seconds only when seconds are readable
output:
5.13
